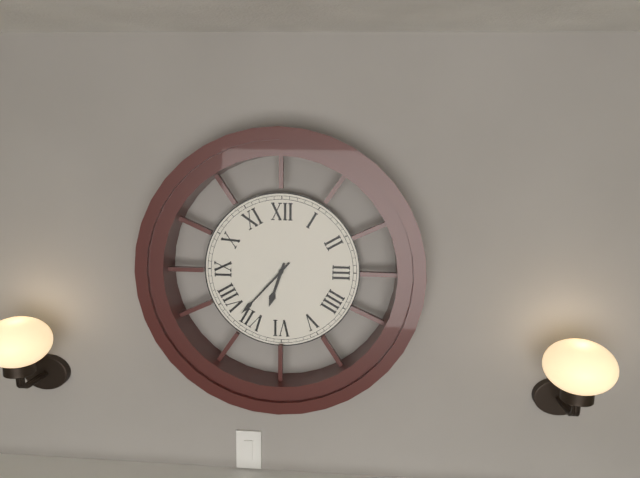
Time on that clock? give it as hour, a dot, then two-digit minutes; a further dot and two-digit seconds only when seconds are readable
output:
6.37
